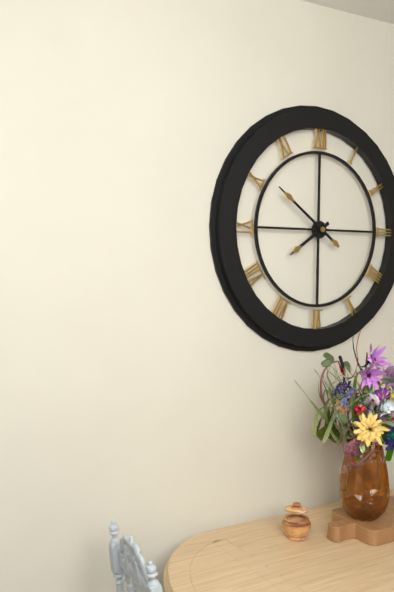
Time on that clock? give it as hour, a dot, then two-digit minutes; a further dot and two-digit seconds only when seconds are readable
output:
7.51
